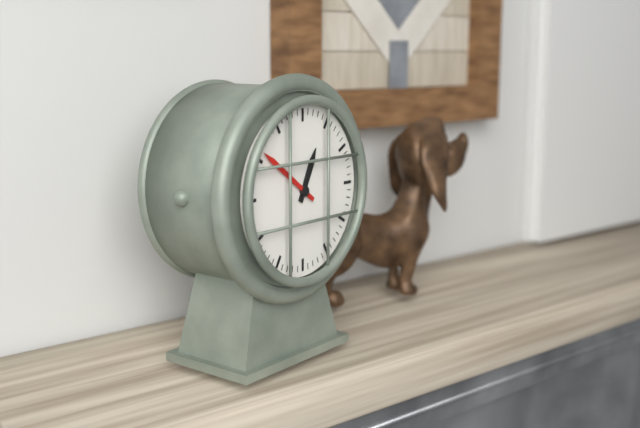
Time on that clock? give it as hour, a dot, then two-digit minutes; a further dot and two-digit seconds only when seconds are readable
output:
12.51
